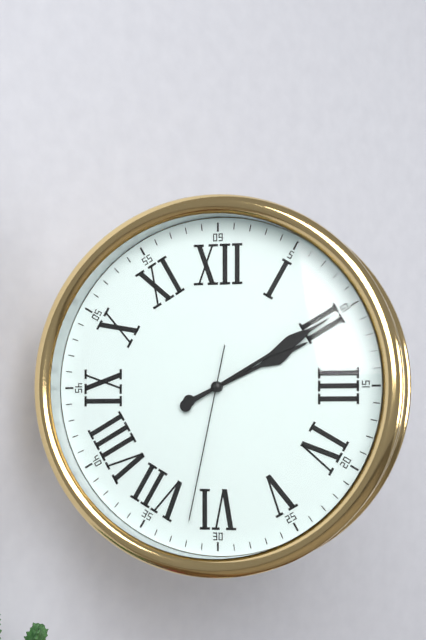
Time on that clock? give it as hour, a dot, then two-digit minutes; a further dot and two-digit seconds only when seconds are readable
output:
2.10.32
